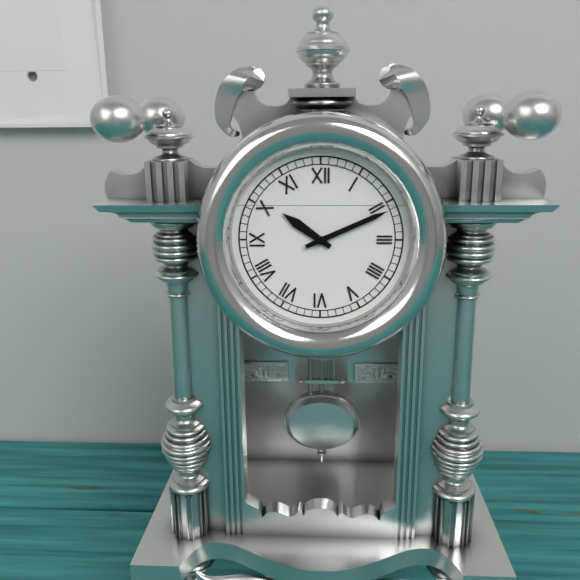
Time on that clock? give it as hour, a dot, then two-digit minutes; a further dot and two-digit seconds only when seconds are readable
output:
10.11
